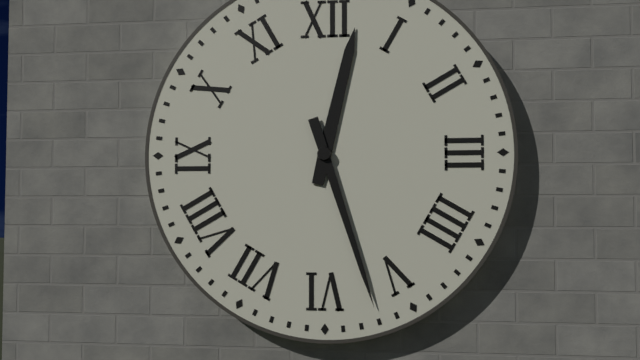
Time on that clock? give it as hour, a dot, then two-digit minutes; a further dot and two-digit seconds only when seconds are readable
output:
12.27
